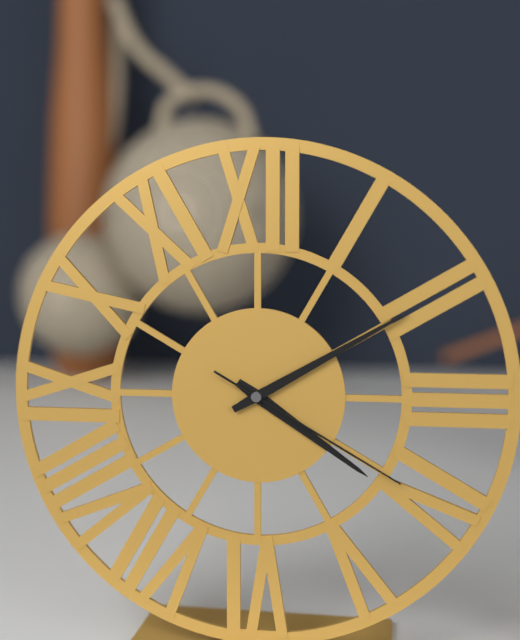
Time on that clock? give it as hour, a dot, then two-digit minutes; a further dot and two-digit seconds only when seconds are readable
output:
4.10.20
